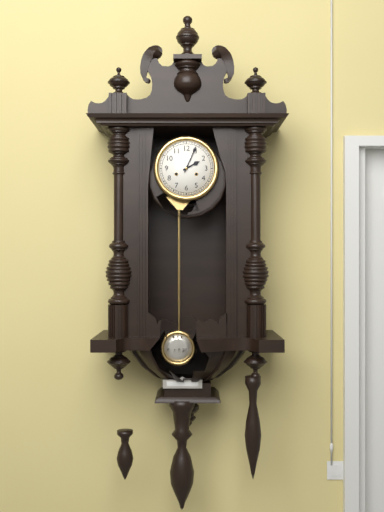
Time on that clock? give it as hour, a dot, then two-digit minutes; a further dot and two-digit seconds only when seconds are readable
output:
2.04
